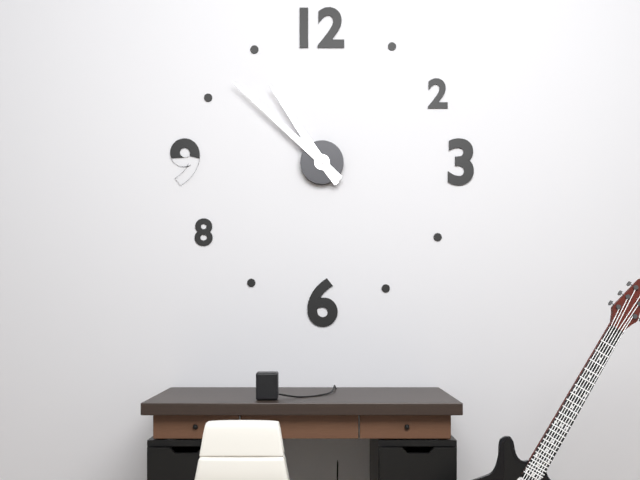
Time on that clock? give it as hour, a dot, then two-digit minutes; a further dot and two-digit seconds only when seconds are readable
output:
10.52
